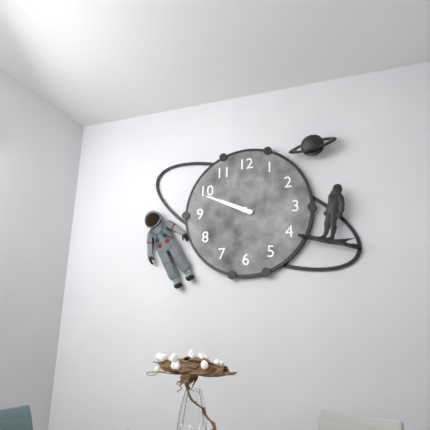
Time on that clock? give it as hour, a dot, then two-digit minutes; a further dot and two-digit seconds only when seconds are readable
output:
9.49
